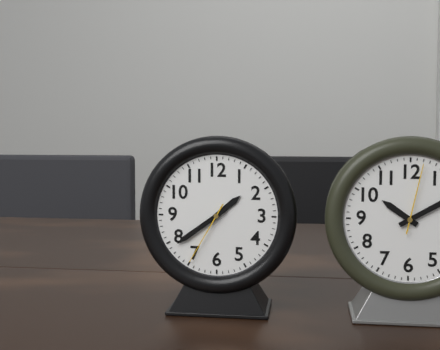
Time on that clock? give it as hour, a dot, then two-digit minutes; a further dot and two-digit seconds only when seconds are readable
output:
1.39.35
